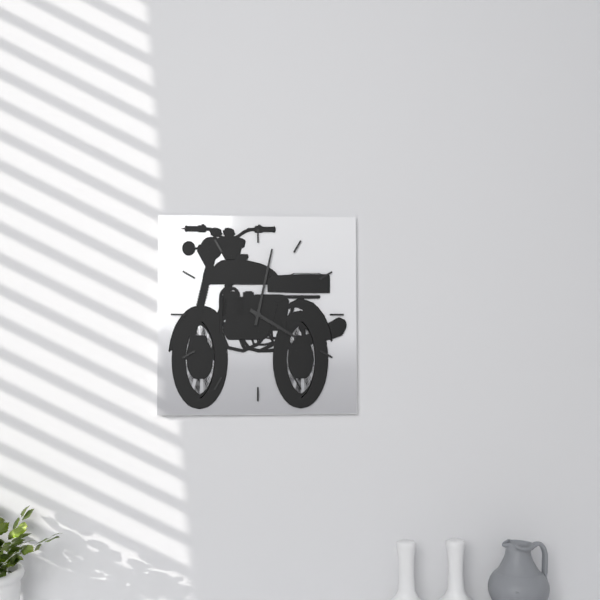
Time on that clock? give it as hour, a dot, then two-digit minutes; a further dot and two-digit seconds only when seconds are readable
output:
4.02
